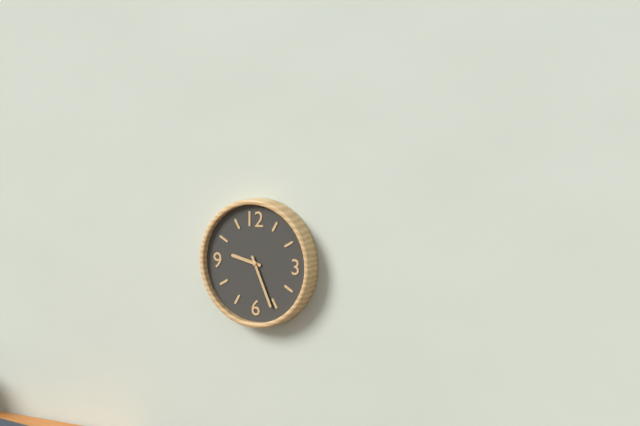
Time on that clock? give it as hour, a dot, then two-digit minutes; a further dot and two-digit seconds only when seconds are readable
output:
9.26
